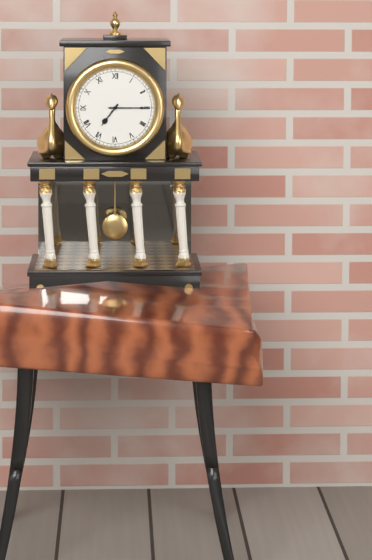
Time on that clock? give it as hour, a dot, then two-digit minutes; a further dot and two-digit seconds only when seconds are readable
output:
7.15
